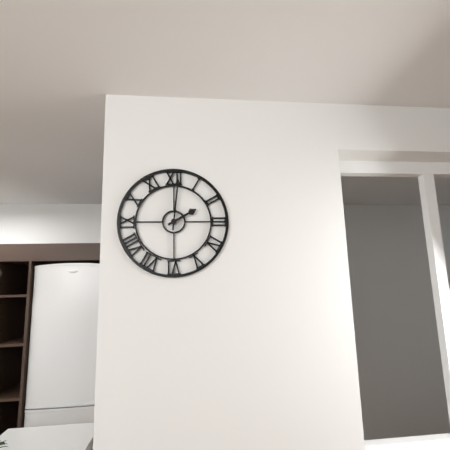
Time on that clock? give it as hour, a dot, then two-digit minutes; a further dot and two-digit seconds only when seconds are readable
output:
2.01
